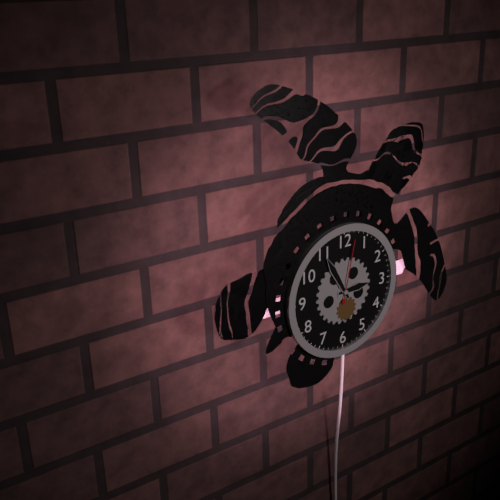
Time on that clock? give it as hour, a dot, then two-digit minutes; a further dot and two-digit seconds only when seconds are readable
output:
2.55.02
